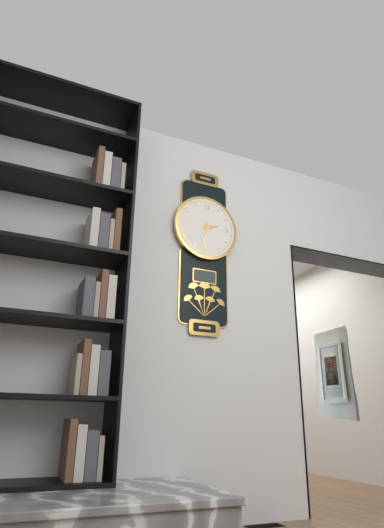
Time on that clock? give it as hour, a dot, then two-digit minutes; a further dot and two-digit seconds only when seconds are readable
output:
2.32
